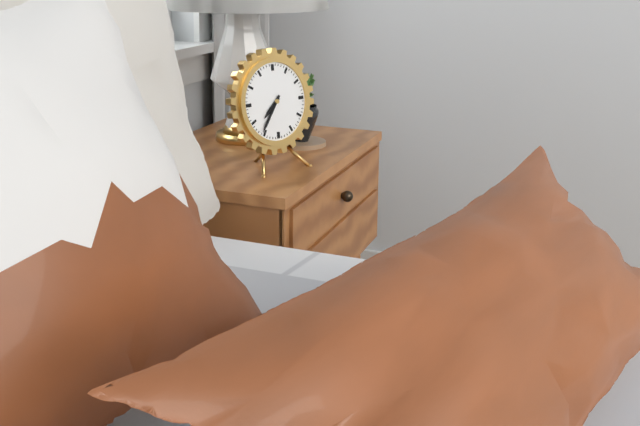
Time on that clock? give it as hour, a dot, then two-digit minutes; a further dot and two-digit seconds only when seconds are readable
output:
7.36
